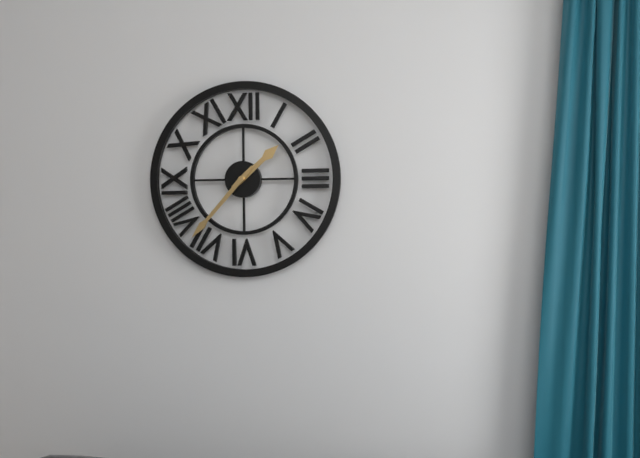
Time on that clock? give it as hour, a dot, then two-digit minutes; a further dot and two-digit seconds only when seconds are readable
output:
1.37
